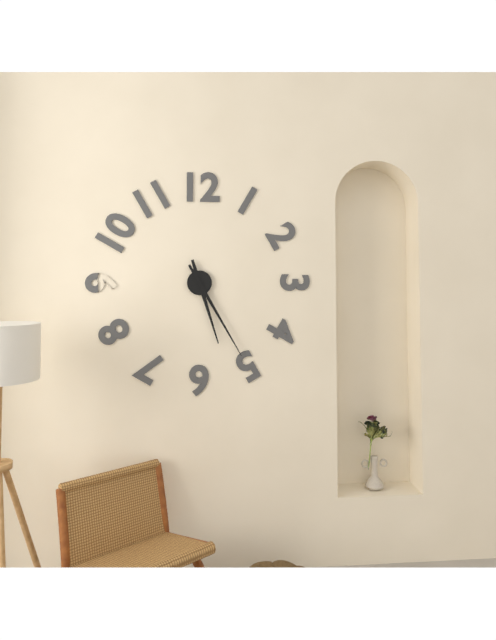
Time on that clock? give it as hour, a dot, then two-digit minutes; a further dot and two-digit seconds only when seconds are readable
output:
5.25
